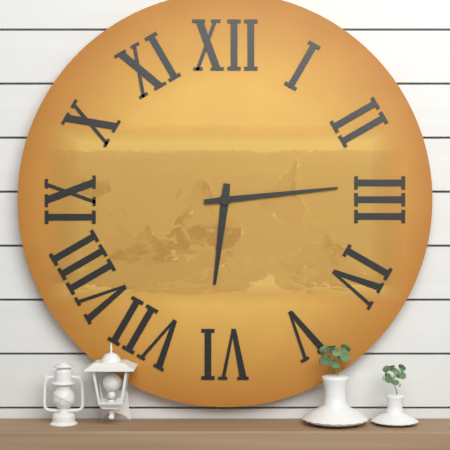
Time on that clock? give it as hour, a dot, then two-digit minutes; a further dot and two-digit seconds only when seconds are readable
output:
6.14
